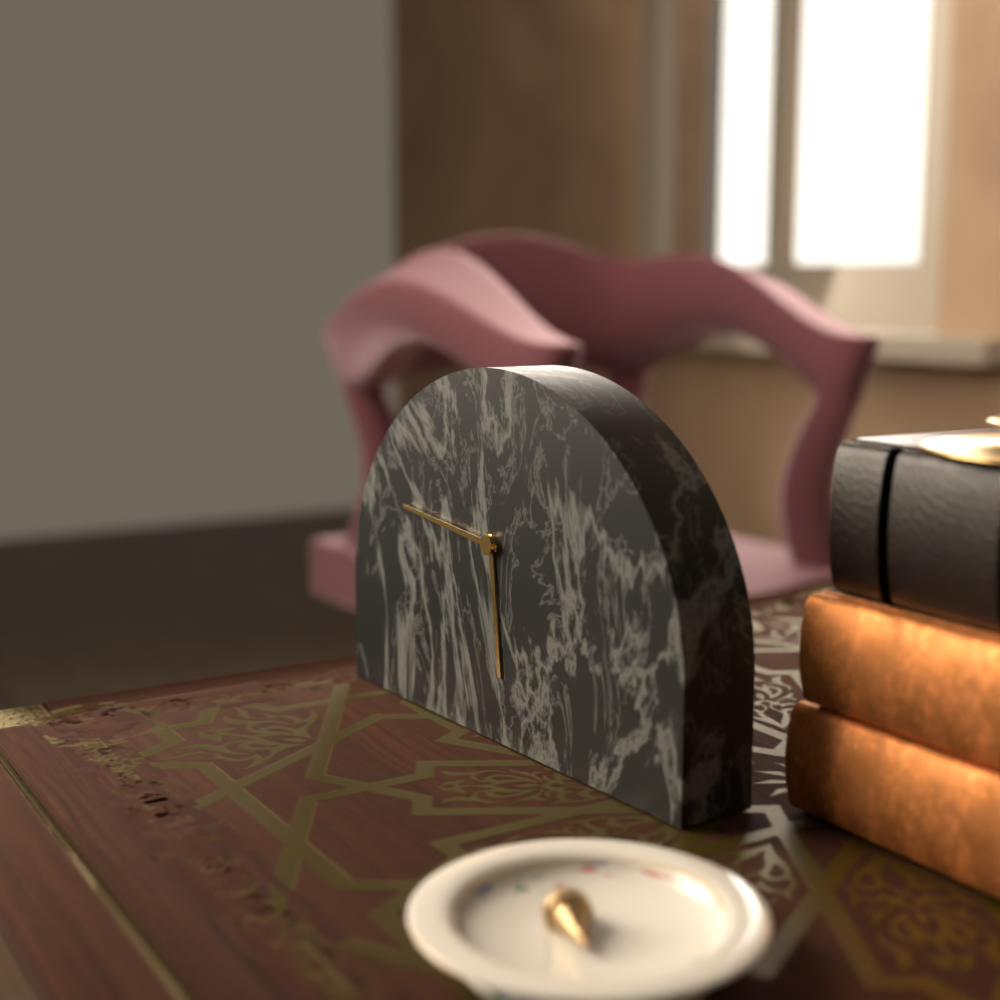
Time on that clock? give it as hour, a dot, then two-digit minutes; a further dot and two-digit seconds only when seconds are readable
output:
5.46
